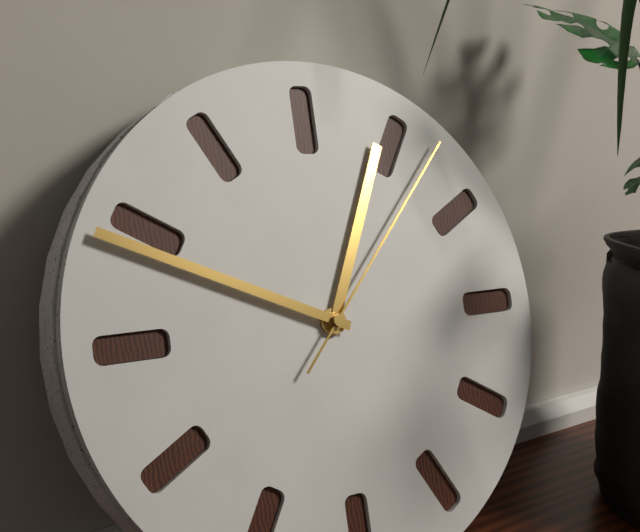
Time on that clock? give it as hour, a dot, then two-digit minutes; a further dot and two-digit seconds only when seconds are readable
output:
12.49.07
